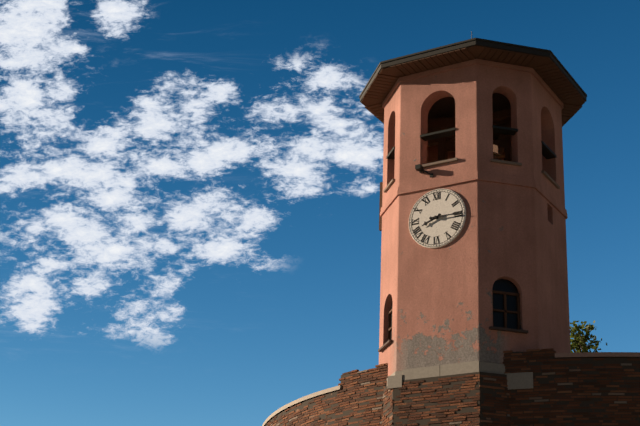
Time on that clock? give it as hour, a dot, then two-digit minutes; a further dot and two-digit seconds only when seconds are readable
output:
8.15
